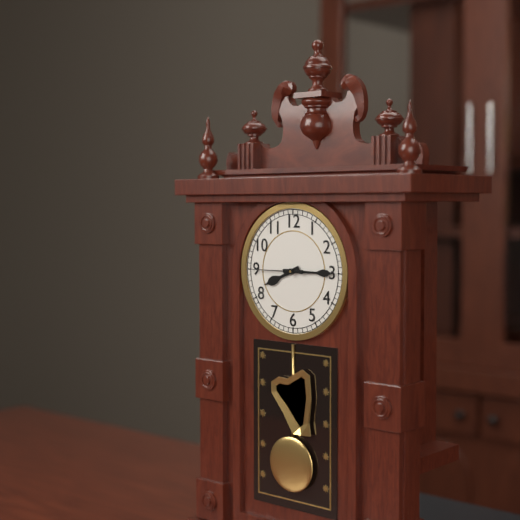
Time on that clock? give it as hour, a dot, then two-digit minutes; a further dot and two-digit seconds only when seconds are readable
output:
8.15.45
